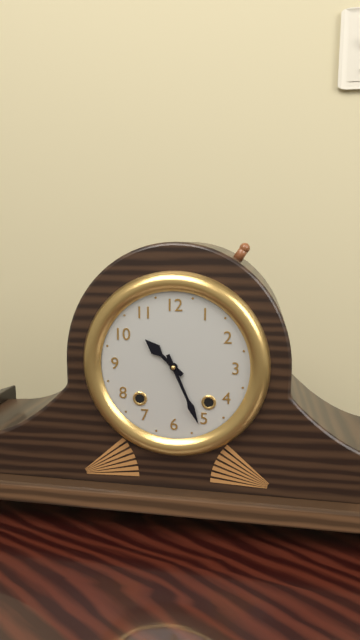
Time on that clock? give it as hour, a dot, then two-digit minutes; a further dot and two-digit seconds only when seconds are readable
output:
10.26
